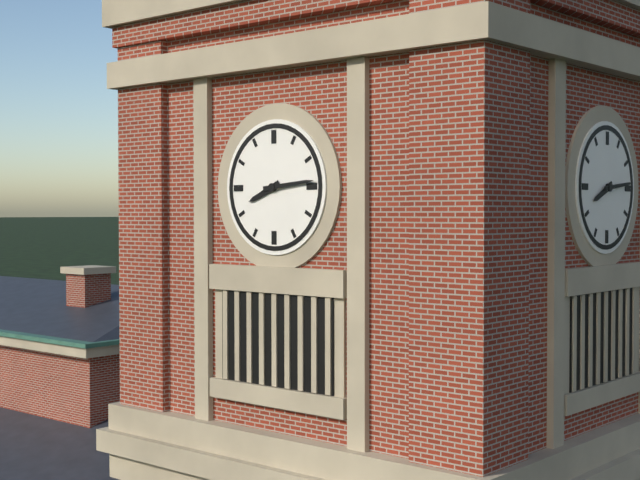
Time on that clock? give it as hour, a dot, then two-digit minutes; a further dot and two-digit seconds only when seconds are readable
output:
8.14
